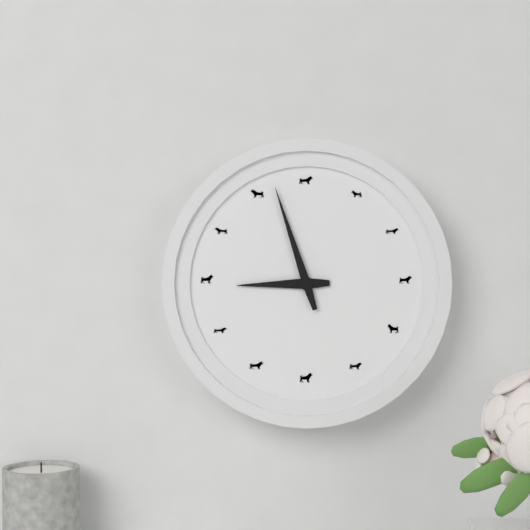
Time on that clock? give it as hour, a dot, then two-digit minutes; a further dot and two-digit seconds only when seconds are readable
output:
8.57
